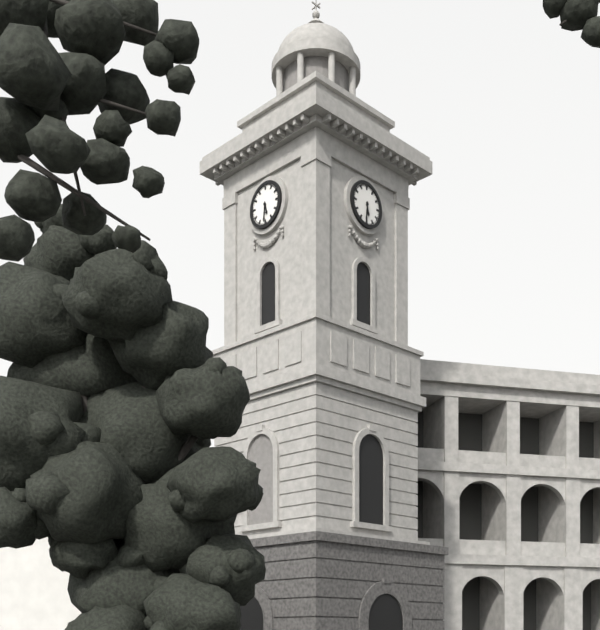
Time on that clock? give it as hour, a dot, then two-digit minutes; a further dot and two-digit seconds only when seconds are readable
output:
5.31
